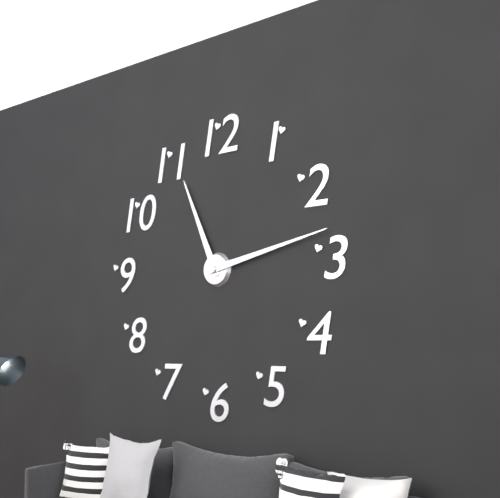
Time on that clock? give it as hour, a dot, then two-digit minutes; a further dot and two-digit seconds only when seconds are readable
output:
11.13
